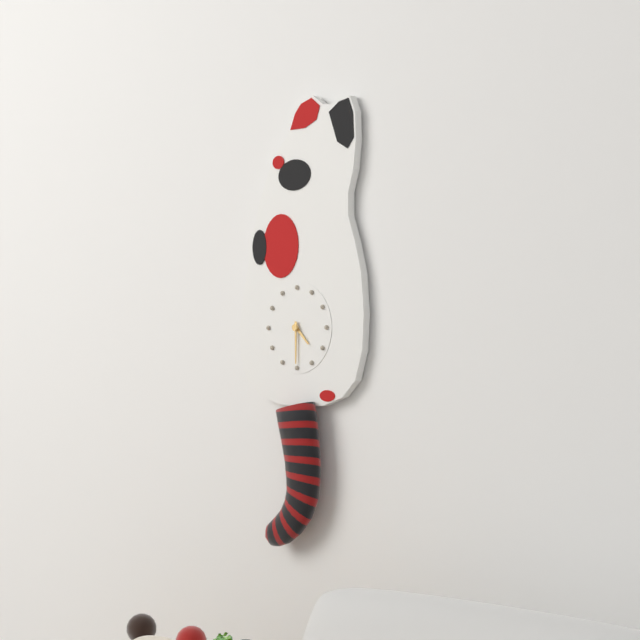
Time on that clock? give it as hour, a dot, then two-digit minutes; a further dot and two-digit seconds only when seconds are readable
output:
4.30
